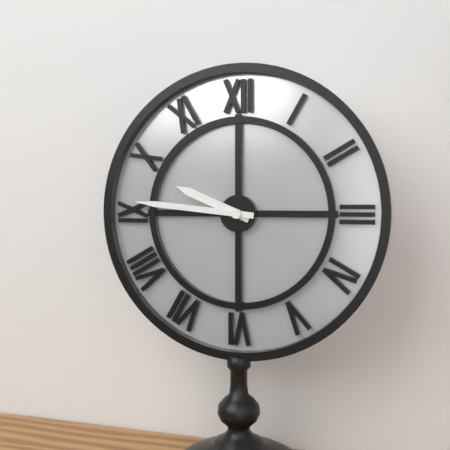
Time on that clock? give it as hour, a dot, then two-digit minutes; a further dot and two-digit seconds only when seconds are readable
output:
9.46
